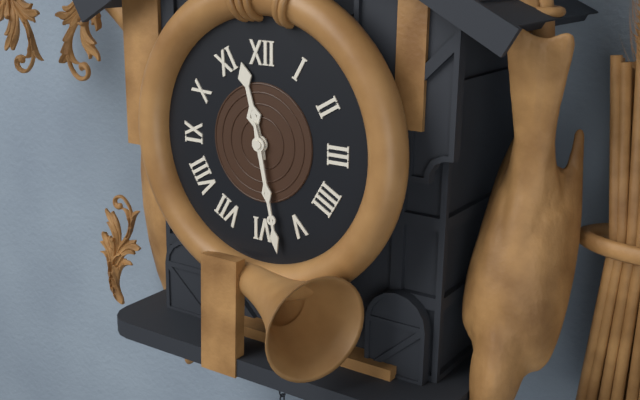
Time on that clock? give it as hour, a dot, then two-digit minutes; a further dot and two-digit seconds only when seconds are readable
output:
11.28
